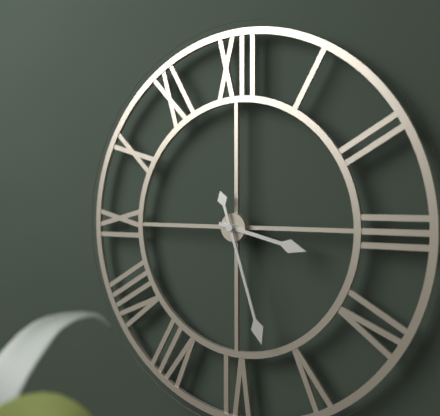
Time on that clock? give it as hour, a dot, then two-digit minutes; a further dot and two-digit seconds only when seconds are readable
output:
3.27
